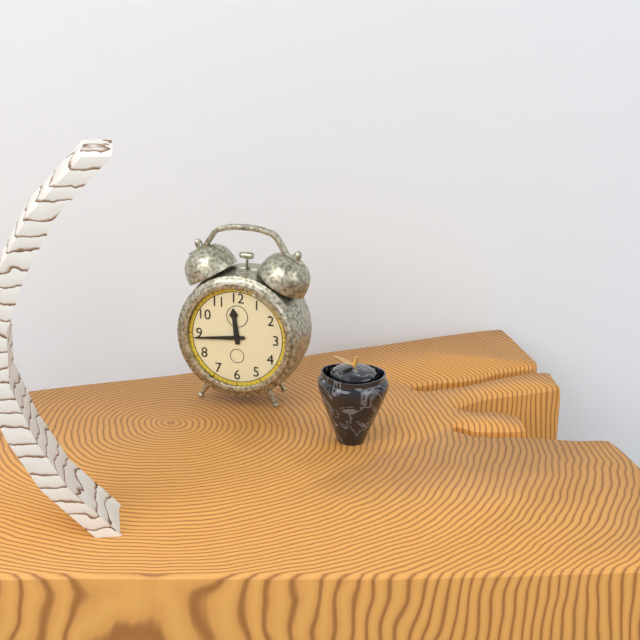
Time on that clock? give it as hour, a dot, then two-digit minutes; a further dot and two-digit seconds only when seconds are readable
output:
11.44
